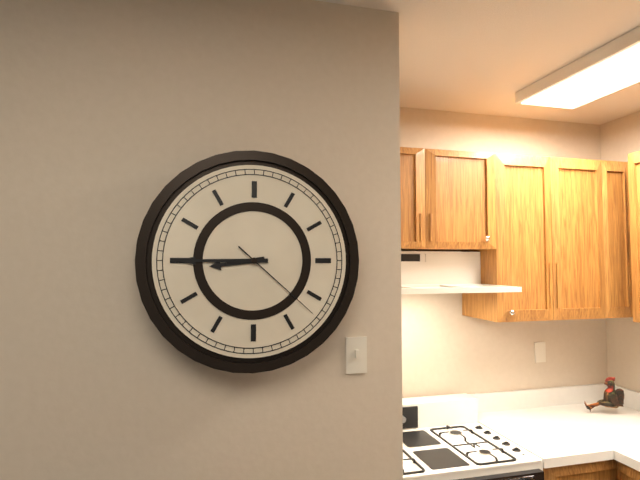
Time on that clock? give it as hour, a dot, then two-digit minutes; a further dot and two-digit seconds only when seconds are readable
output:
8.45.22
